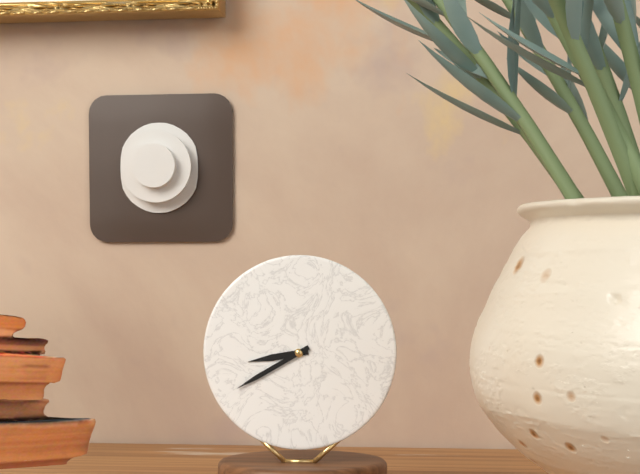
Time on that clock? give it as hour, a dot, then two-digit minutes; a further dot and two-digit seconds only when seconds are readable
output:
8.40
